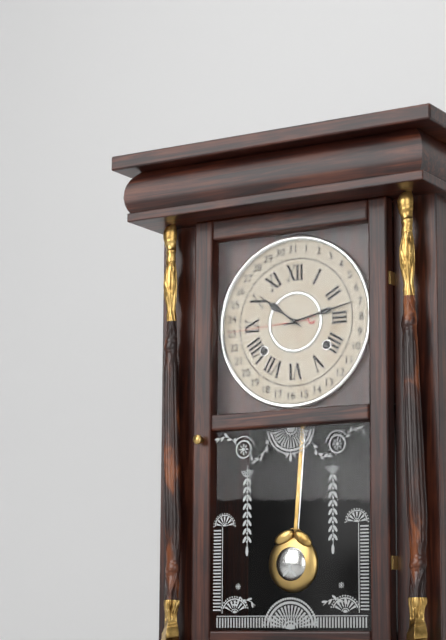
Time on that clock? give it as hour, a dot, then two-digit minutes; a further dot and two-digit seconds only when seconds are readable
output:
10.13
